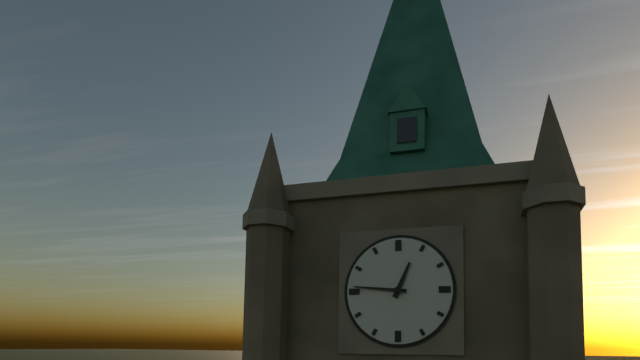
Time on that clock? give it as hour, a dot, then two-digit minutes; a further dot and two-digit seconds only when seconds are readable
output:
12.46
